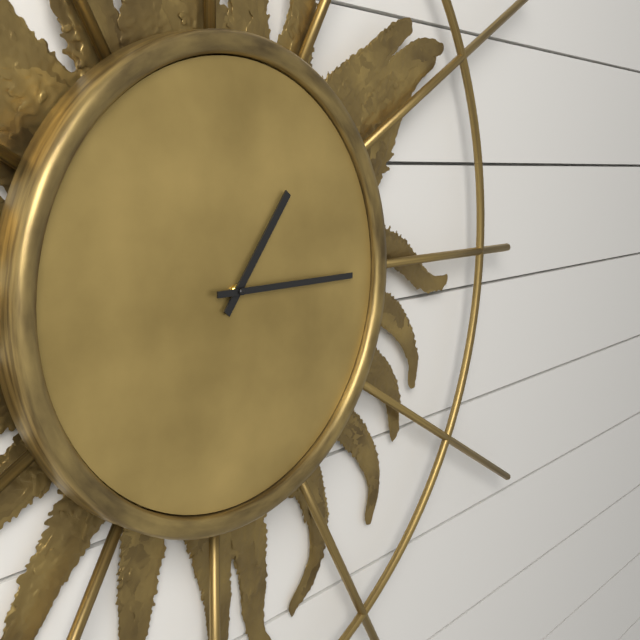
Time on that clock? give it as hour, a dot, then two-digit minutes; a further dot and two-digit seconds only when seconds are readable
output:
1.15
